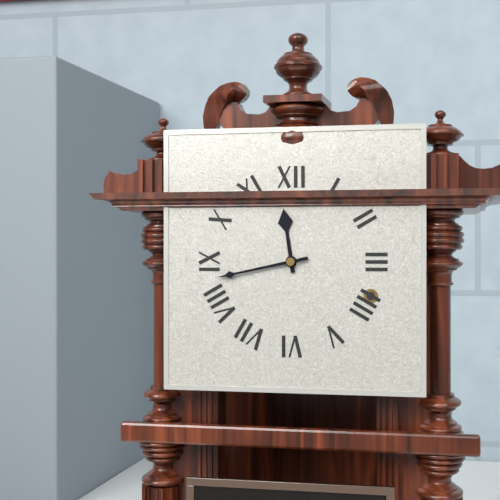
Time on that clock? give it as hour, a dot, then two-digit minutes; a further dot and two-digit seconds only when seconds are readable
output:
11.43
